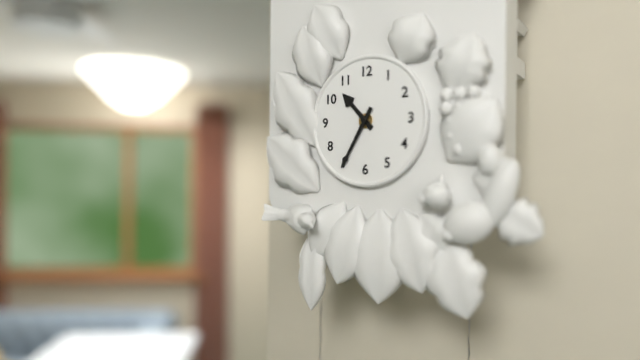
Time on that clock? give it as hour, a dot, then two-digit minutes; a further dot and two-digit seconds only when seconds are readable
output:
10.35
